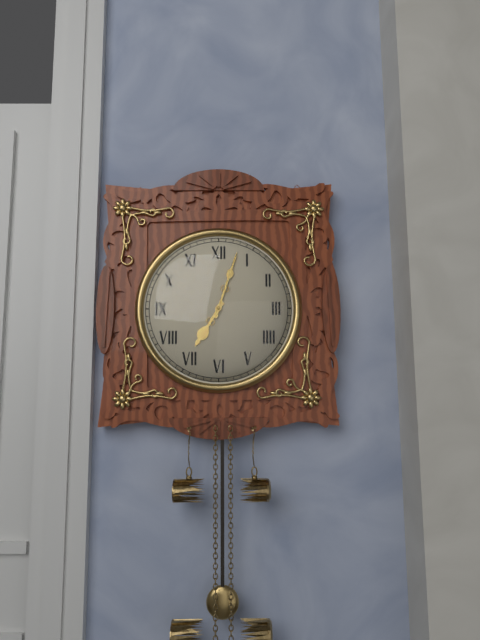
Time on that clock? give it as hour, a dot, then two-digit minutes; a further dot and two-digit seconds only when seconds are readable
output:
7.03
